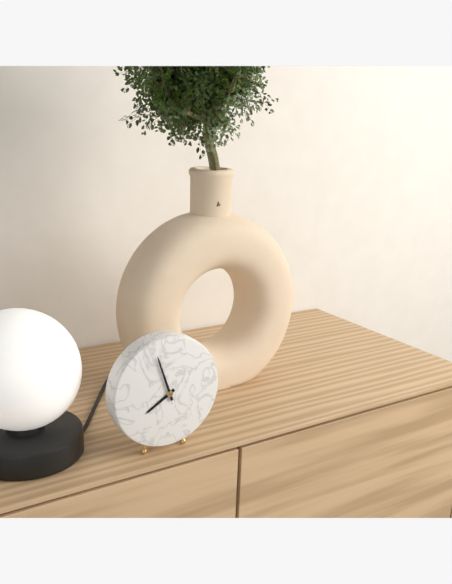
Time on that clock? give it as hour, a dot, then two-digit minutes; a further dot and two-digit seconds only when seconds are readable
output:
7.57
